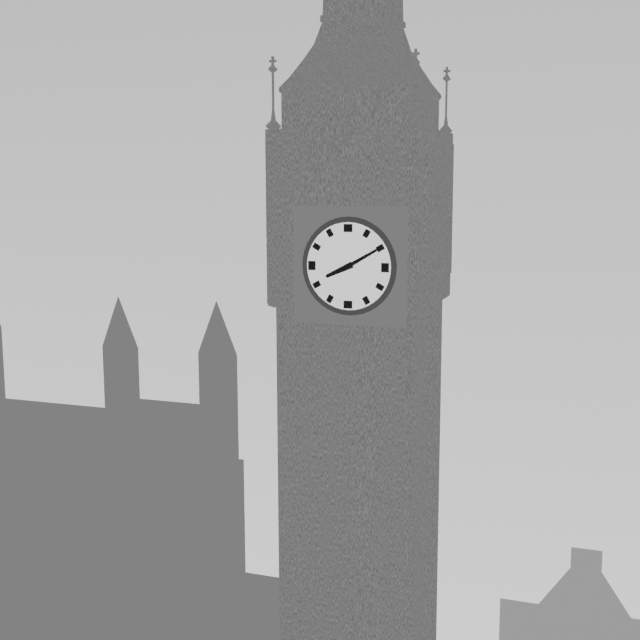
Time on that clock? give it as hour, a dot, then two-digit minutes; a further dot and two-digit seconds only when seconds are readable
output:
8.10
